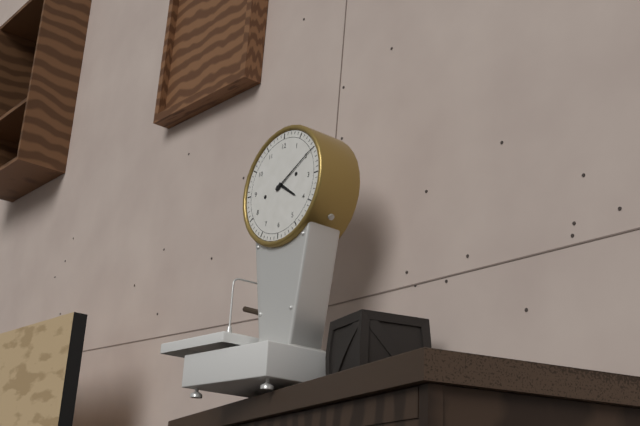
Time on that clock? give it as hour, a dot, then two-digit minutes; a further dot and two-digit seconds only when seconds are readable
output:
4.10
